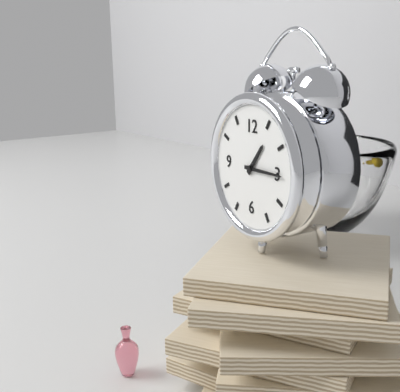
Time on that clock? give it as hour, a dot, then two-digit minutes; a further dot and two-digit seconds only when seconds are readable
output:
1.15
